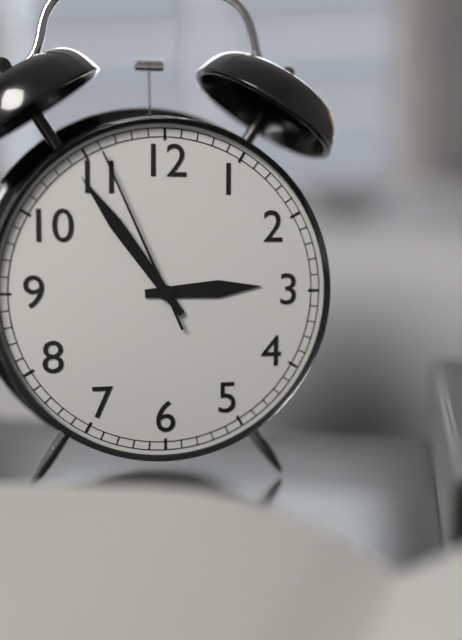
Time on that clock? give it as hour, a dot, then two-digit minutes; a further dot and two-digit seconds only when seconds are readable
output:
2.54.56
